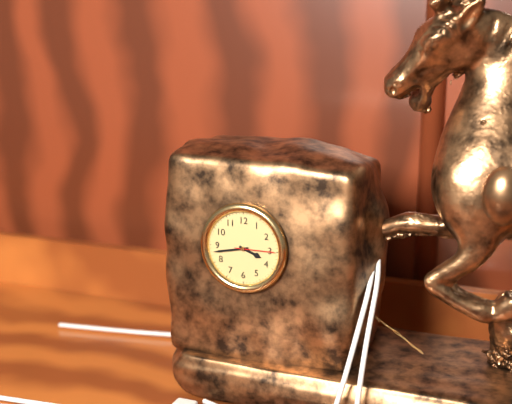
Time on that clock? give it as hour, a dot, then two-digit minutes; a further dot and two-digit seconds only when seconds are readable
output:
3.43
